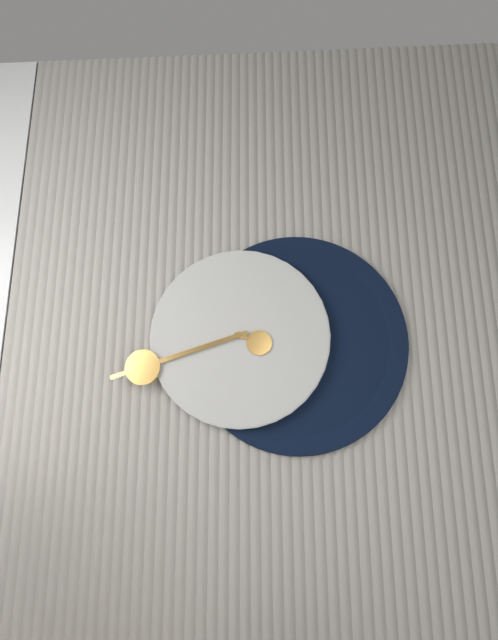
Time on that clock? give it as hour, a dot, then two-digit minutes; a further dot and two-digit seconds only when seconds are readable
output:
3.42
